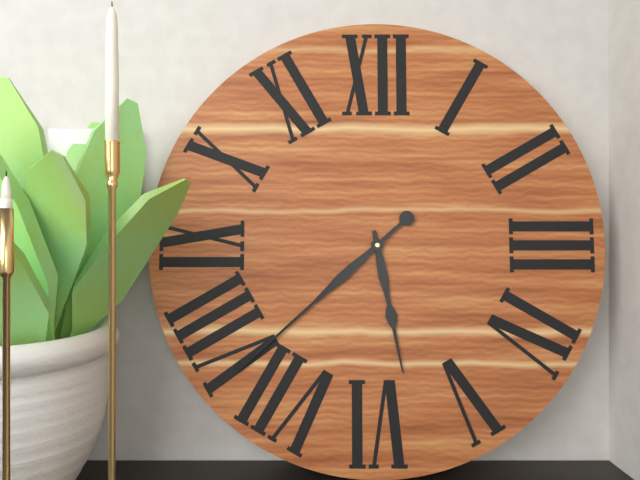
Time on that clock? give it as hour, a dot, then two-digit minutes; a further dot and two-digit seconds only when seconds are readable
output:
5.38
